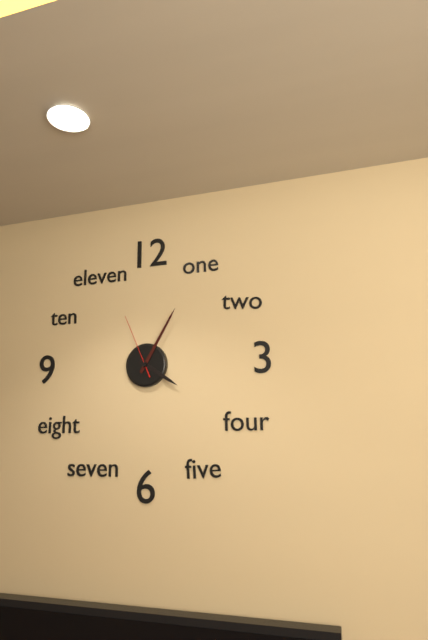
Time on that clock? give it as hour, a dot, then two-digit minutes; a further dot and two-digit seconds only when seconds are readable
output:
4.05.56
